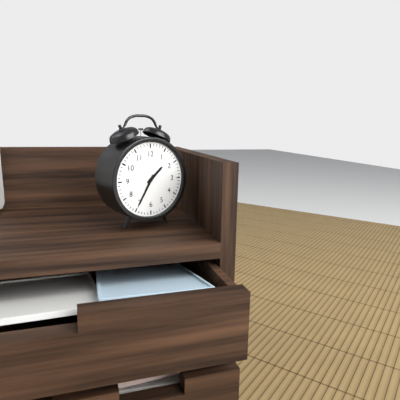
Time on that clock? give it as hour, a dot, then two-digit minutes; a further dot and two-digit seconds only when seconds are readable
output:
1.35
